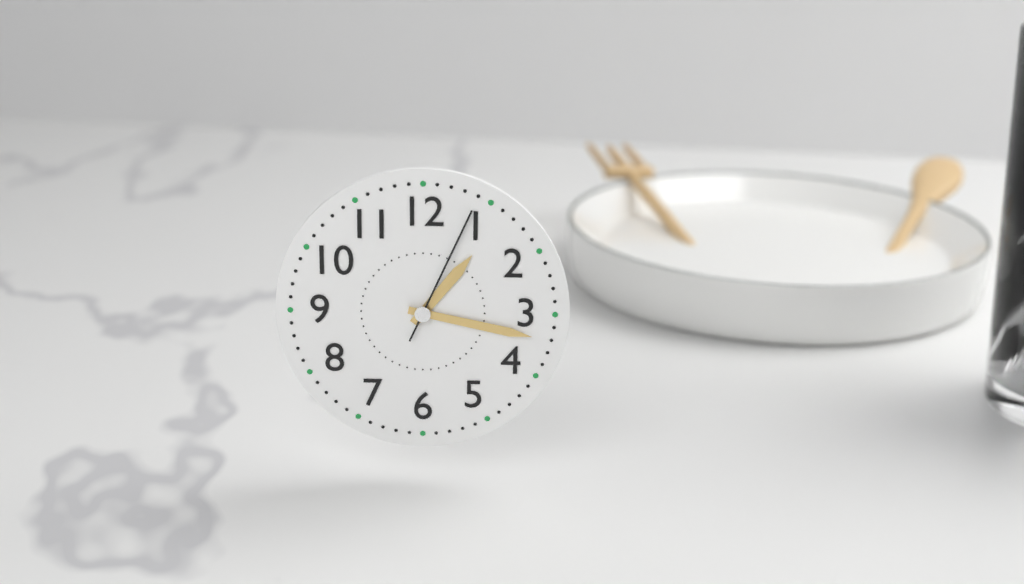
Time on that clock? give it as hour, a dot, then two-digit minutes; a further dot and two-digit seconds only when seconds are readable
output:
1.17.04
